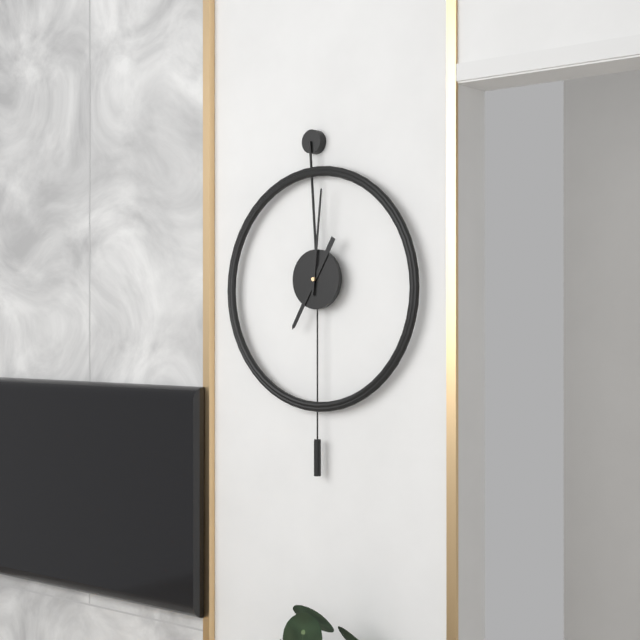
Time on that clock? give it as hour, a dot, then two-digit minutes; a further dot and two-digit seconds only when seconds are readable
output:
7.01
